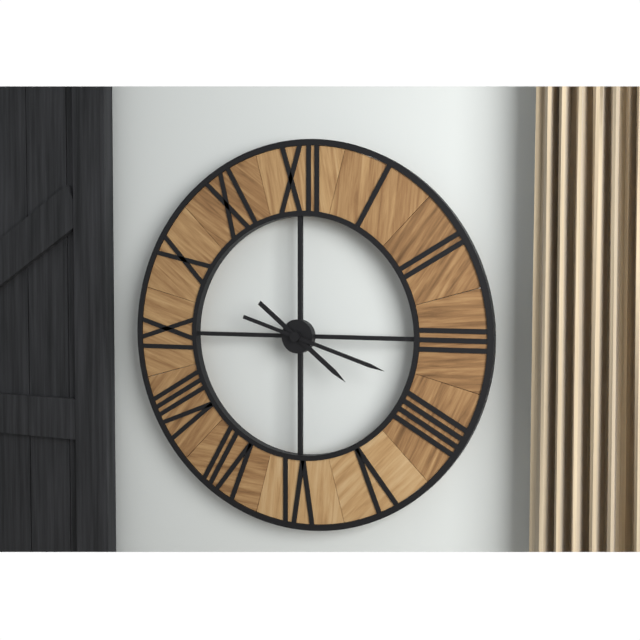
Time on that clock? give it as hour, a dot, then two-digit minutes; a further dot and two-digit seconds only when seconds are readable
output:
4.18
